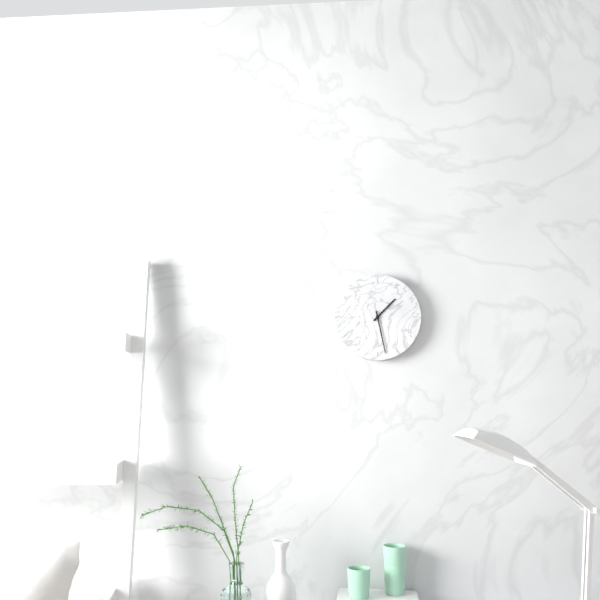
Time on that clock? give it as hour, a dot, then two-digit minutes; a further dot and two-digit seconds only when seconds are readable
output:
1.28
